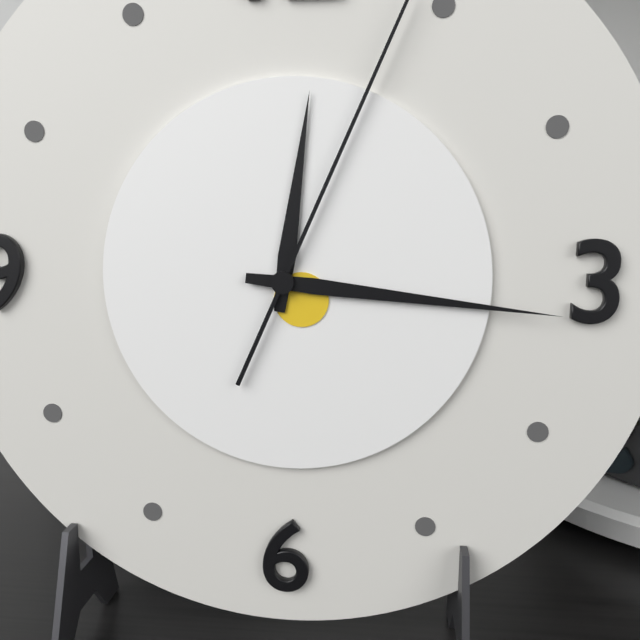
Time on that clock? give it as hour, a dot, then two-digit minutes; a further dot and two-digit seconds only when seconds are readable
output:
12.16
